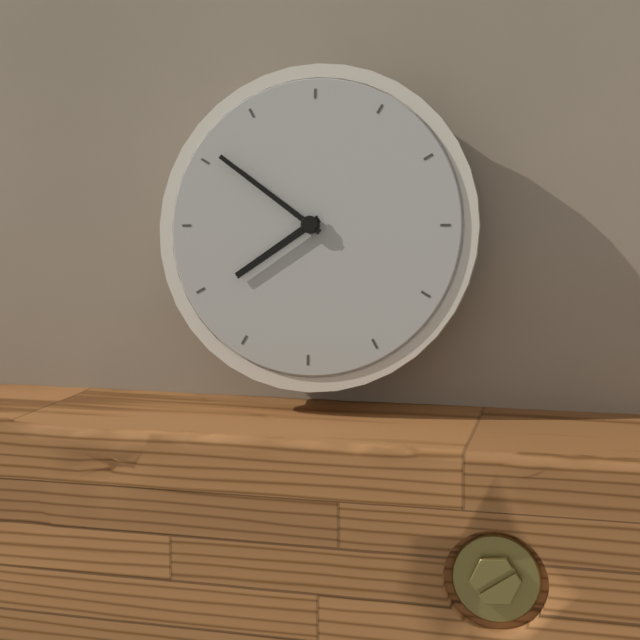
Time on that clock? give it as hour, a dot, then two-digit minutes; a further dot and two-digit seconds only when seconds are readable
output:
7.51
